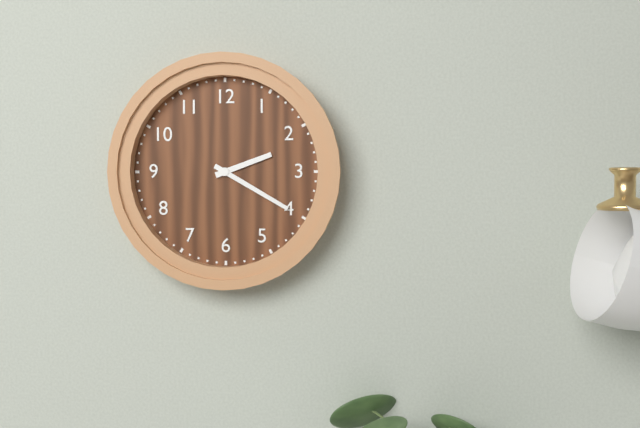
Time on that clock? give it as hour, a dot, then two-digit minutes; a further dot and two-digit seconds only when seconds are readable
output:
2.20
